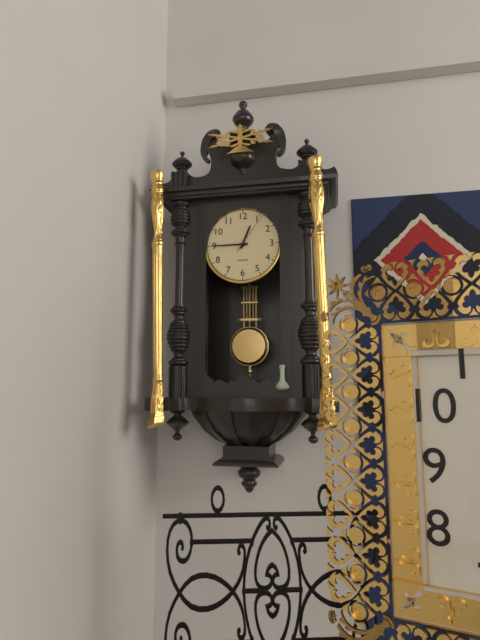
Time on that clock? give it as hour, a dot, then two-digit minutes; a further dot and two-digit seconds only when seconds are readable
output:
12.45
